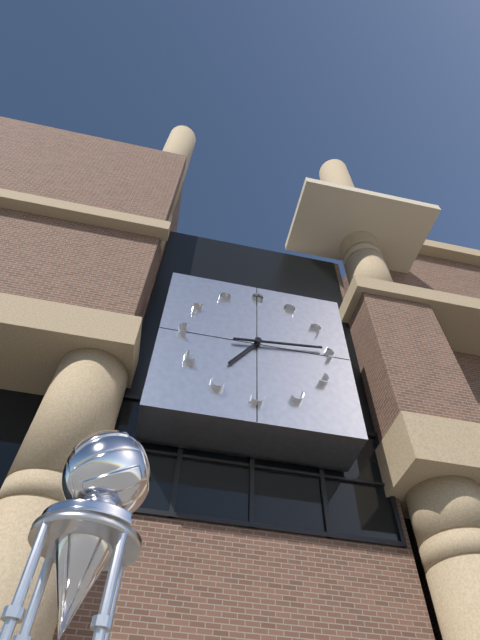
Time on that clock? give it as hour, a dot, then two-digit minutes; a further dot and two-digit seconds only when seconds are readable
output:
7.14
